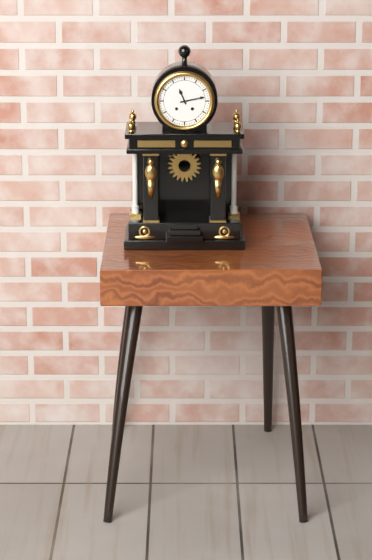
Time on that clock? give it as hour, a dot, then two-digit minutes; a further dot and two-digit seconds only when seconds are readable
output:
11.13
